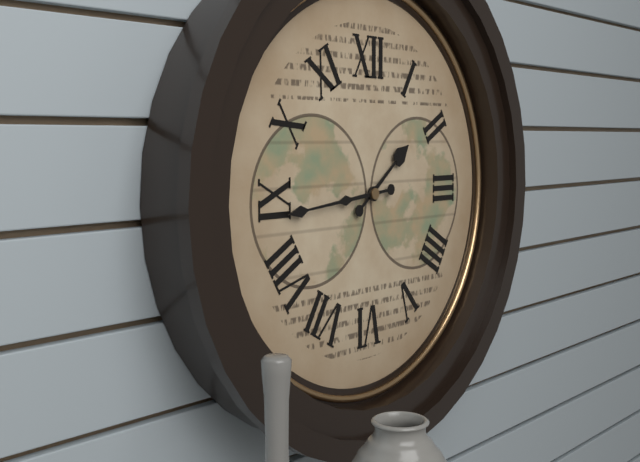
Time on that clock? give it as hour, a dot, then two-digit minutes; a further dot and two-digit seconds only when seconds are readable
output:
1.44
